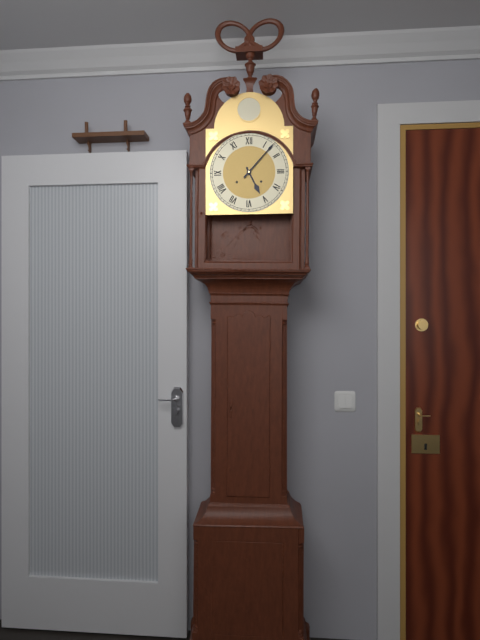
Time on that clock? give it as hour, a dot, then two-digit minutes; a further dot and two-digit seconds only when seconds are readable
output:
5.07
